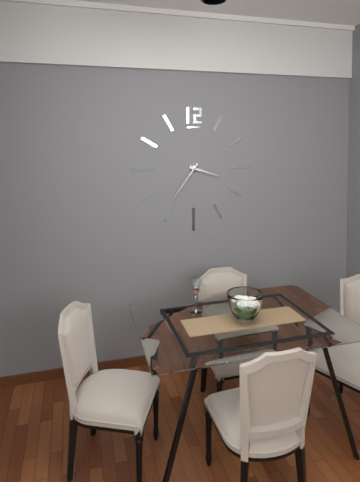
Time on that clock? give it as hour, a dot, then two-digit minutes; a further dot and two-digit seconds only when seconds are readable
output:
3.36
